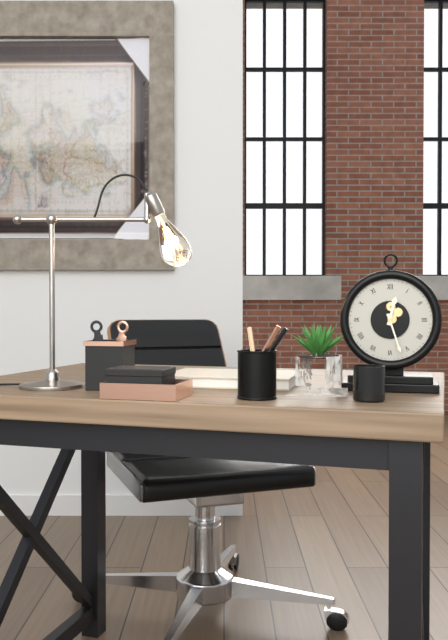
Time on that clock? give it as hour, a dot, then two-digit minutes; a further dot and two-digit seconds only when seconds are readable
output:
12.27
